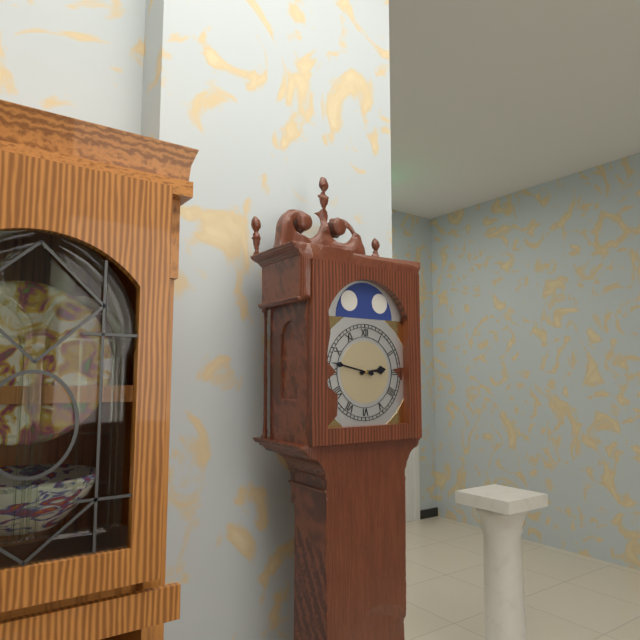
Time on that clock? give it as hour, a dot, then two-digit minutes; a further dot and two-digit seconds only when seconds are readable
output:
2.47
